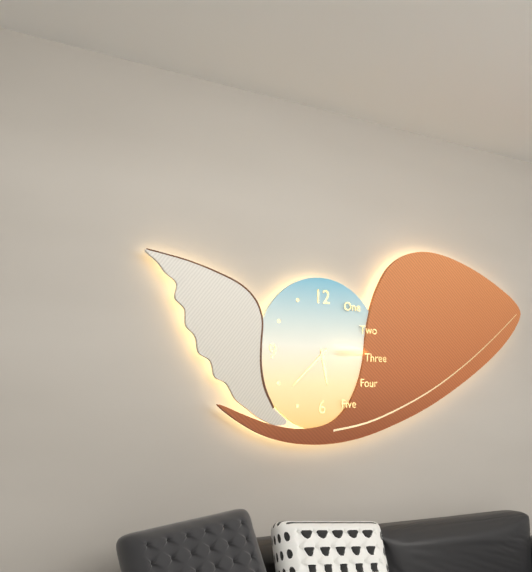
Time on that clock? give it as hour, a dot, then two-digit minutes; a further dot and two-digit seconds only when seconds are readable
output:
5.38
